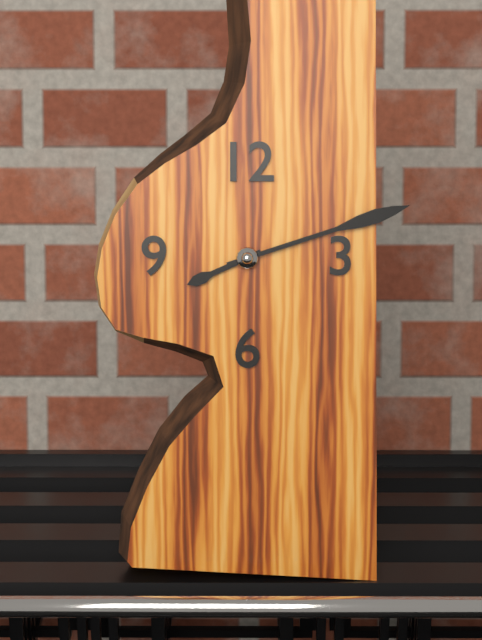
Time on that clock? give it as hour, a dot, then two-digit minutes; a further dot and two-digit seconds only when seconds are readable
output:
8.12
